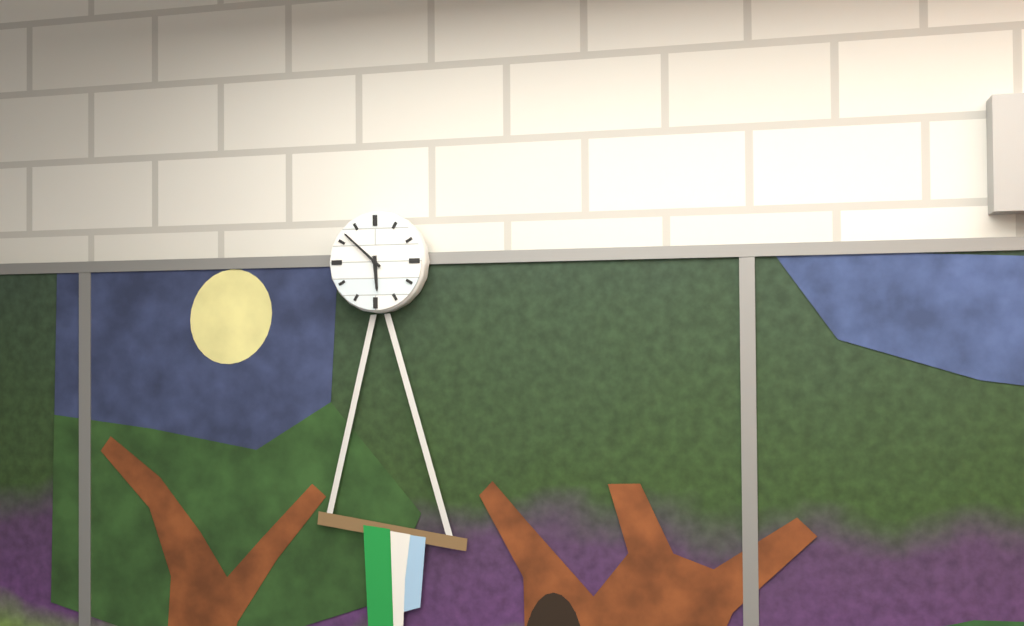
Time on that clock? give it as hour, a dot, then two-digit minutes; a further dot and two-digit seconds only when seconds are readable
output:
5.52
